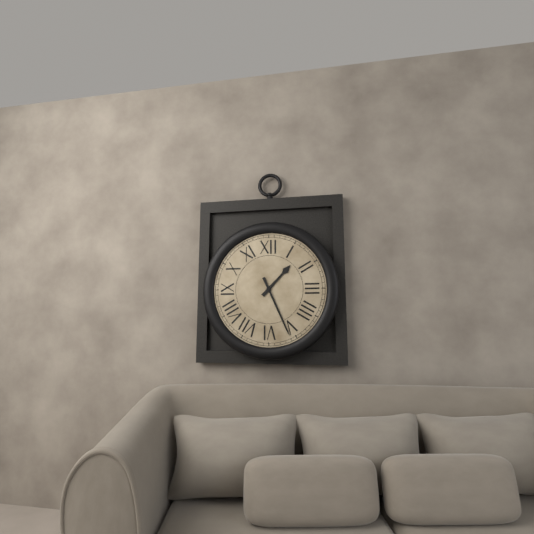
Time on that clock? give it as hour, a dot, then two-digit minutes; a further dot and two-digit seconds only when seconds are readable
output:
1.26
